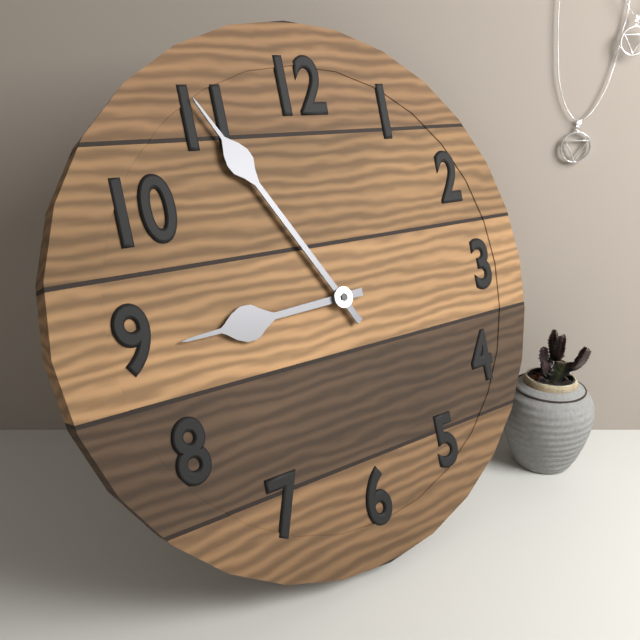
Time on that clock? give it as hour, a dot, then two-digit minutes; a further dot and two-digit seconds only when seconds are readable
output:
8.55
